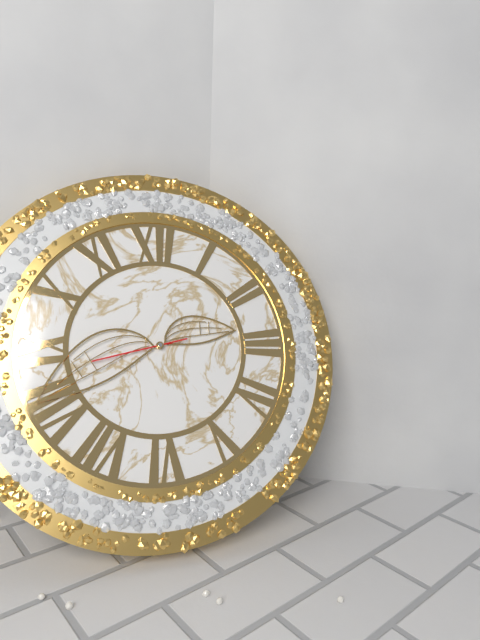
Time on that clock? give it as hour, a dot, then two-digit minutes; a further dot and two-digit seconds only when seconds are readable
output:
2.41.43
